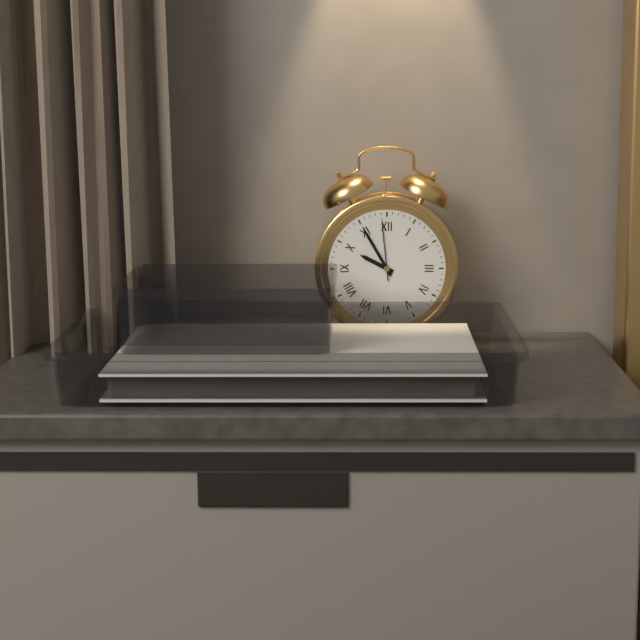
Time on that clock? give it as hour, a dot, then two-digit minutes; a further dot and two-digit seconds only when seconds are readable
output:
9.55.59
